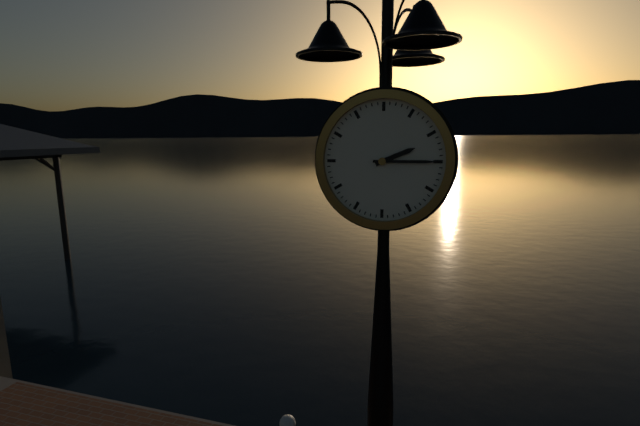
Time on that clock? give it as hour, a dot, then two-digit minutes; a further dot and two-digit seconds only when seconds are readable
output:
2.15
